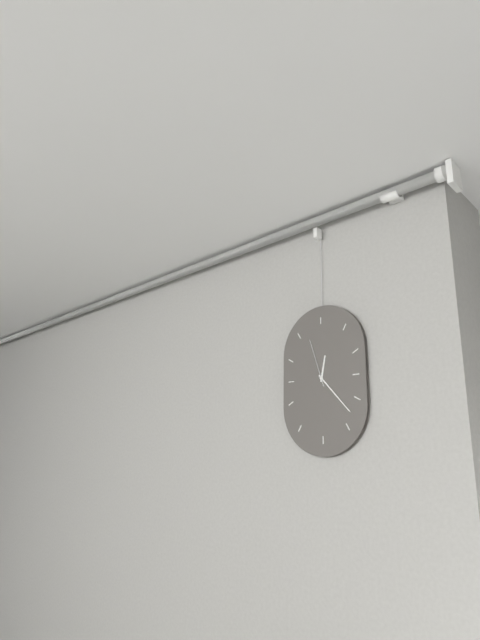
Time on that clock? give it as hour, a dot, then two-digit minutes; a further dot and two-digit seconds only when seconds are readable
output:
12.23.57
